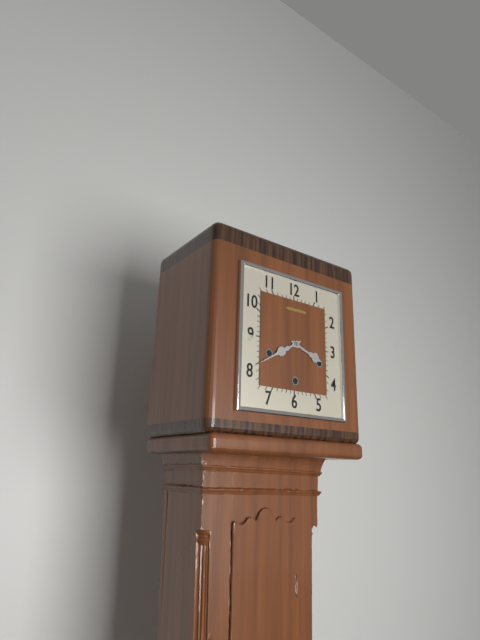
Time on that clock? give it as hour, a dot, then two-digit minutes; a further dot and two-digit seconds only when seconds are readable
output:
3.40
